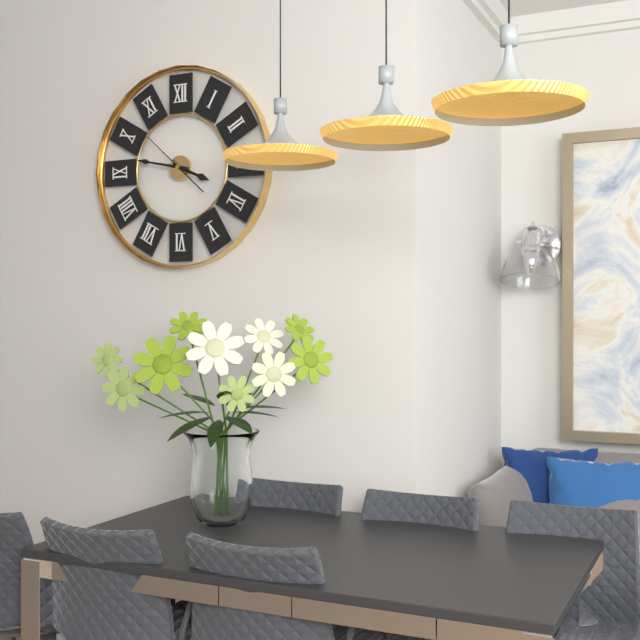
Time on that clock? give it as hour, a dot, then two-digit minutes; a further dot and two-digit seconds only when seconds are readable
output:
3.47.52
